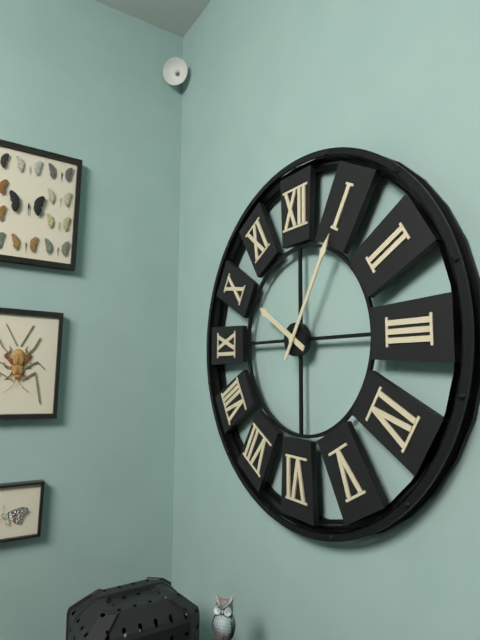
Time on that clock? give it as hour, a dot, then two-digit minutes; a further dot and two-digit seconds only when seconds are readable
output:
10.05
